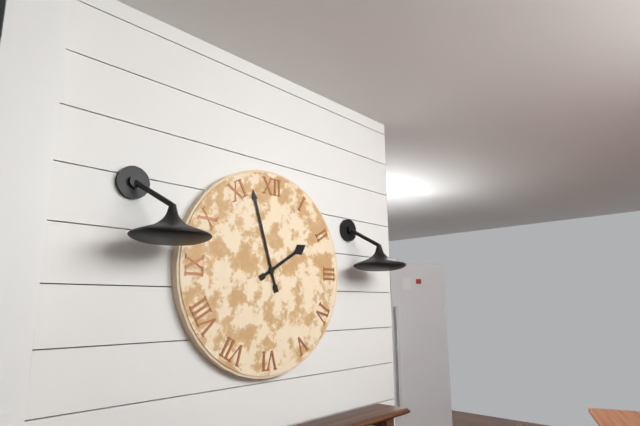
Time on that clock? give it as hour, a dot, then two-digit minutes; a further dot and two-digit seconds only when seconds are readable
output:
1.57
